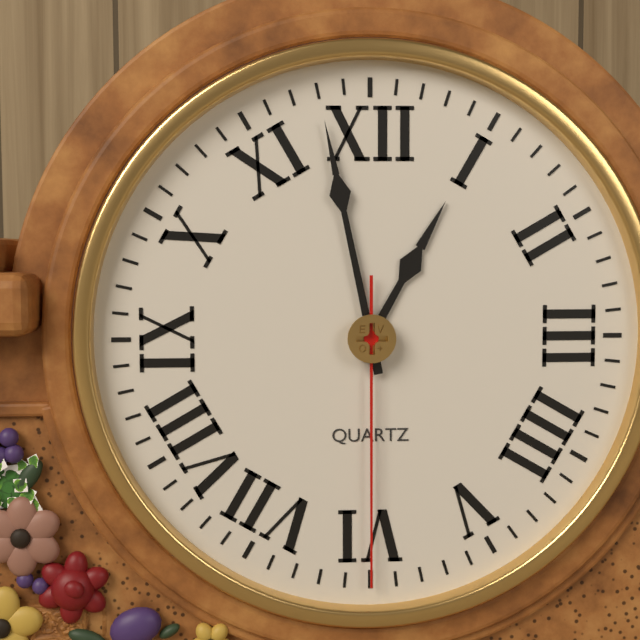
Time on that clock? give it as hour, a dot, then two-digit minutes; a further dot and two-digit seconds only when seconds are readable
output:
12.58.30
